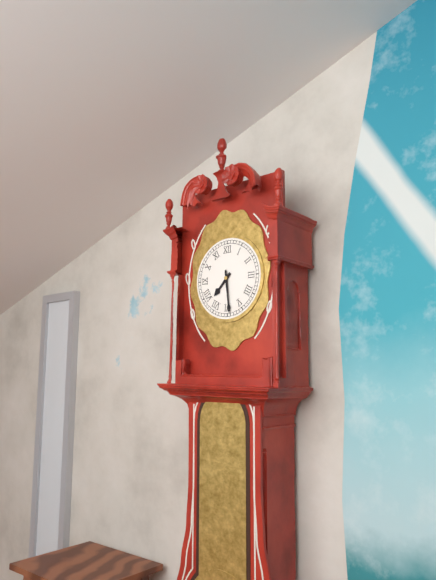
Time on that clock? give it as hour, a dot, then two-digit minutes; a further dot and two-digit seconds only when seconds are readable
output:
7.29
